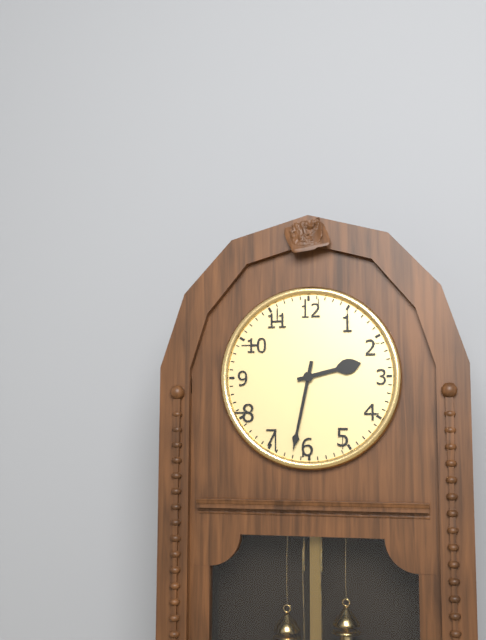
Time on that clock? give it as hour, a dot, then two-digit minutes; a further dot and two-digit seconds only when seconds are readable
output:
2.32
